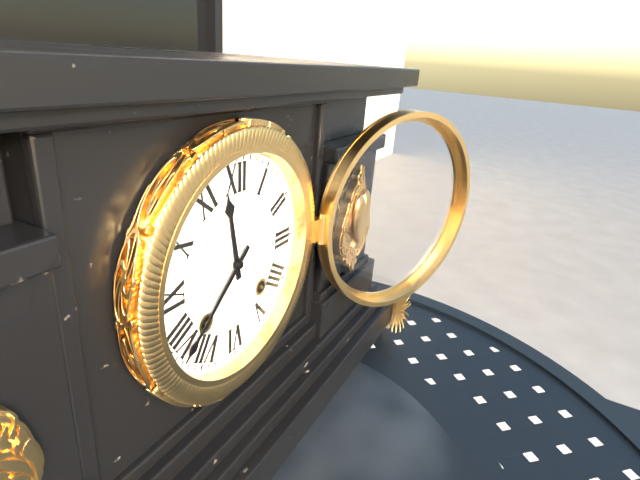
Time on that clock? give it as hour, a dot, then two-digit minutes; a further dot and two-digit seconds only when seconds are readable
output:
11.38
